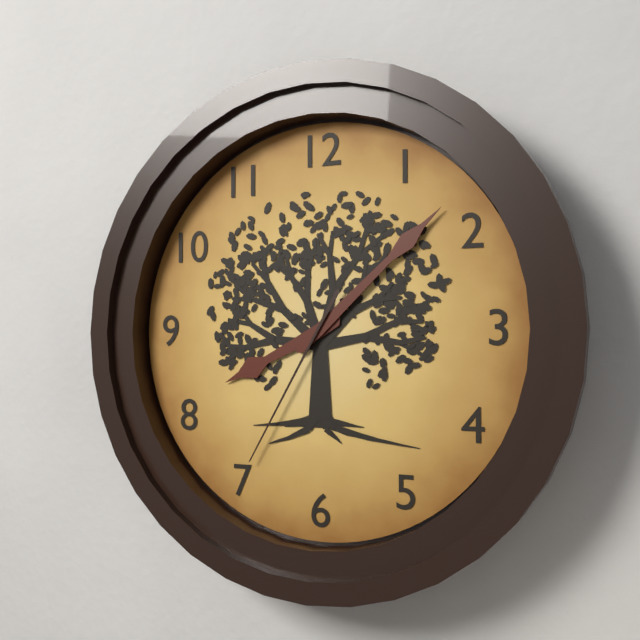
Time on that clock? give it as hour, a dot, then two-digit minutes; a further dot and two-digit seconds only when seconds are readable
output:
8.08.35
